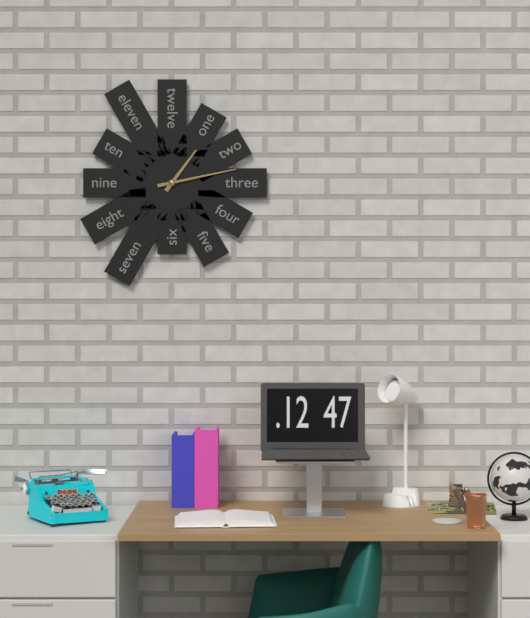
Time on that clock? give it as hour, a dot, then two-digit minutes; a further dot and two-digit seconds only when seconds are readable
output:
1.13
